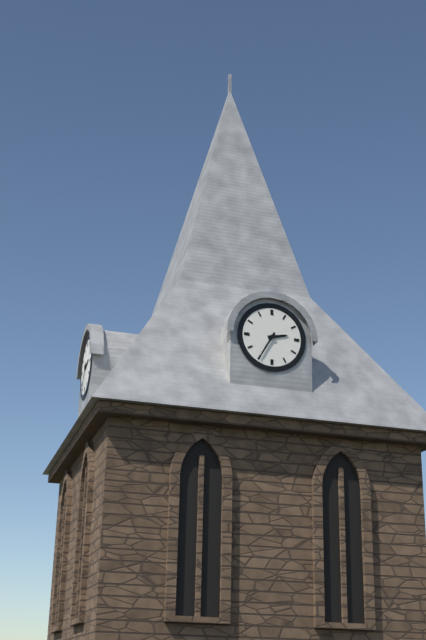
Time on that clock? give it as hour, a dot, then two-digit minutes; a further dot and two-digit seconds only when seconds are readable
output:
2.35
